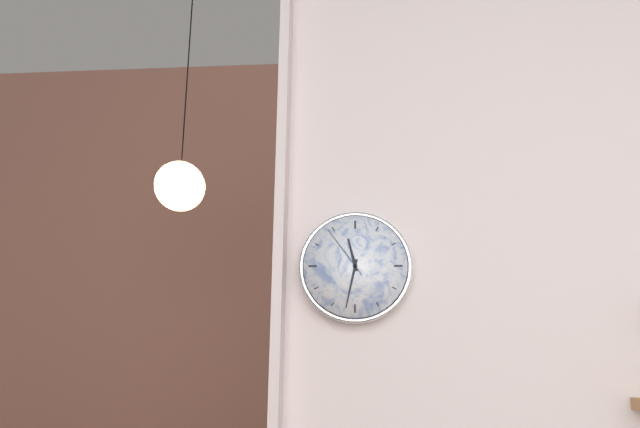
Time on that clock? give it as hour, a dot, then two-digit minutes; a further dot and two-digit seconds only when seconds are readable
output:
11.32.54
